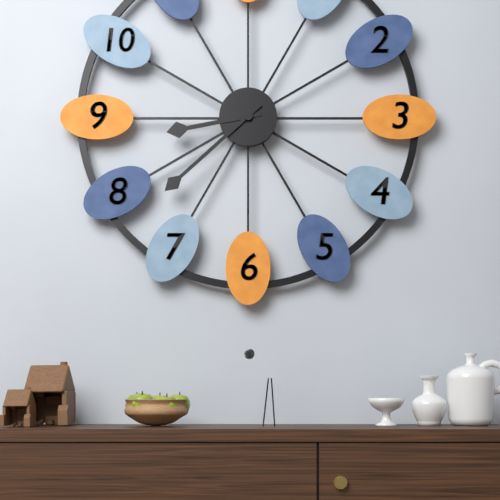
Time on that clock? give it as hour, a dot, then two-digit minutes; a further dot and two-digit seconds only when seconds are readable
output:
8.38
